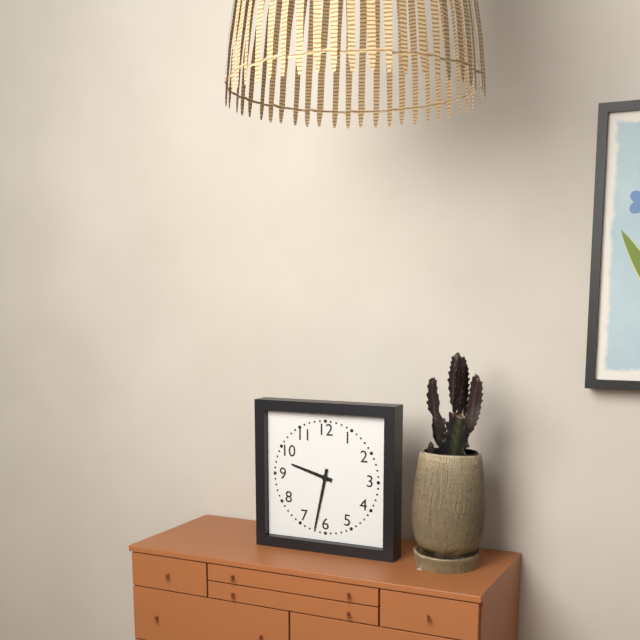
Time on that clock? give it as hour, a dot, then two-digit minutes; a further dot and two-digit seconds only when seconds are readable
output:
9.32
